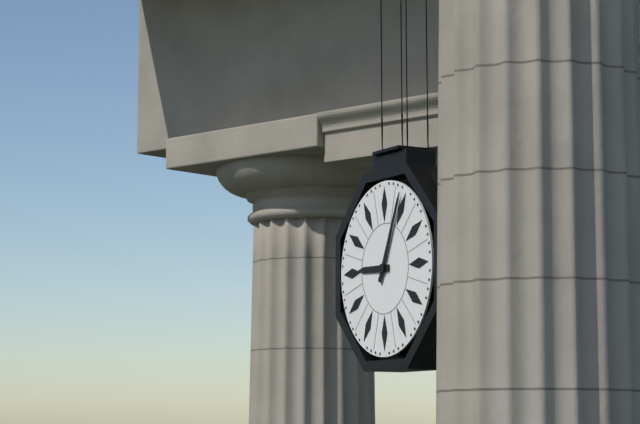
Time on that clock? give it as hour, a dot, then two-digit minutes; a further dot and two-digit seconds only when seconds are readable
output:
9.04
